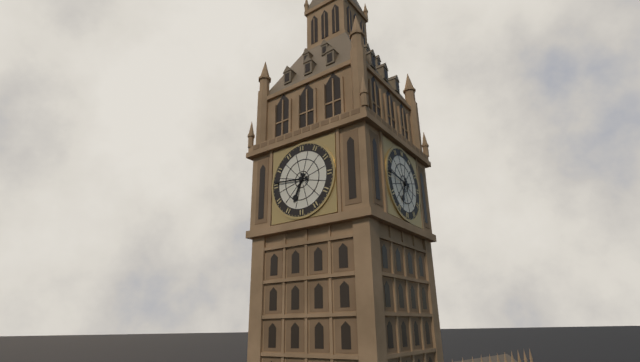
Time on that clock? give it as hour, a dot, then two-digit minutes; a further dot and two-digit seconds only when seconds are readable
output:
6.46
